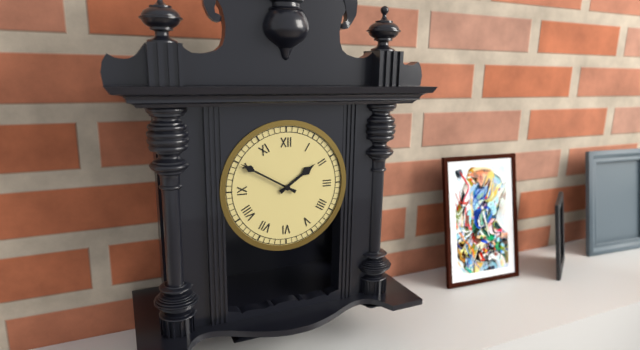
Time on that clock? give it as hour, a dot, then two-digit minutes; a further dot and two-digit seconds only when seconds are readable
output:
1.50
